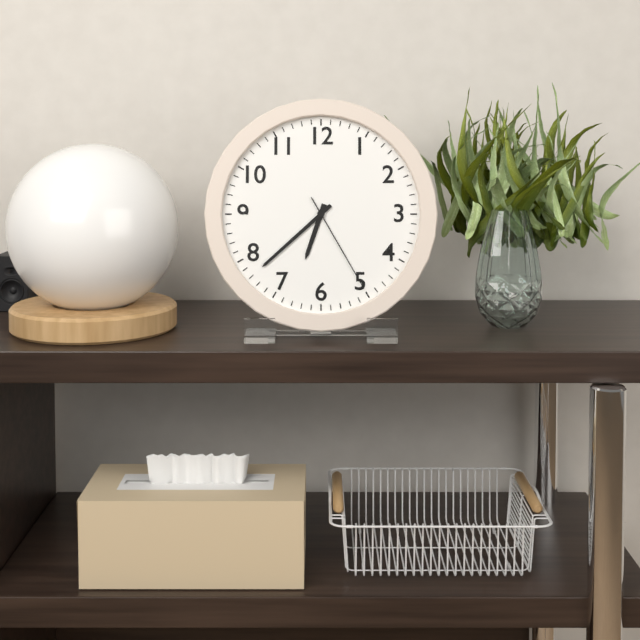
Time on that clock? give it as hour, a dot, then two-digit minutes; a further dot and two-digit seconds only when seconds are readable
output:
6.38.25
